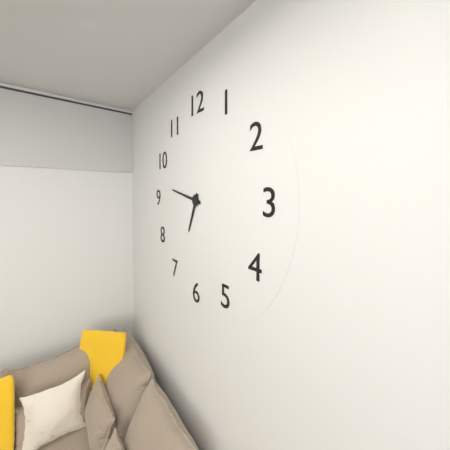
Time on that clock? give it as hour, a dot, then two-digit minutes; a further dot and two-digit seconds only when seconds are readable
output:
6.47
